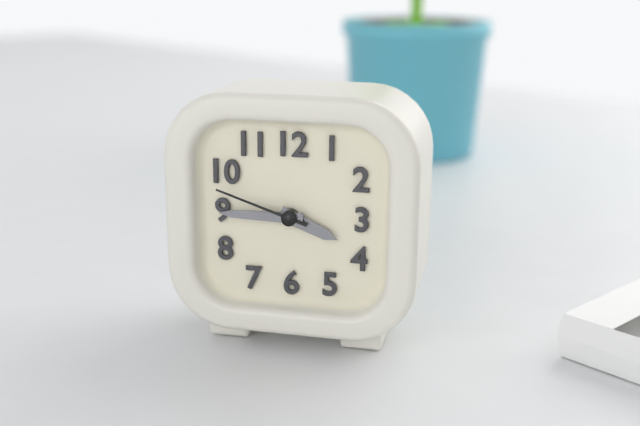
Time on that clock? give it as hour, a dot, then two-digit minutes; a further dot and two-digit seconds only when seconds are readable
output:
3.45.48
